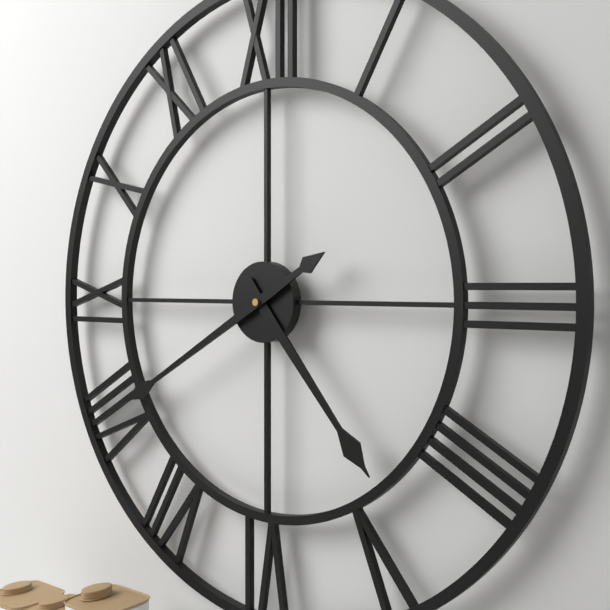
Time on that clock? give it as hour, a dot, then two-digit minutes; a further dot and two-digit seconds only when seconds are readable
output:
4.40
